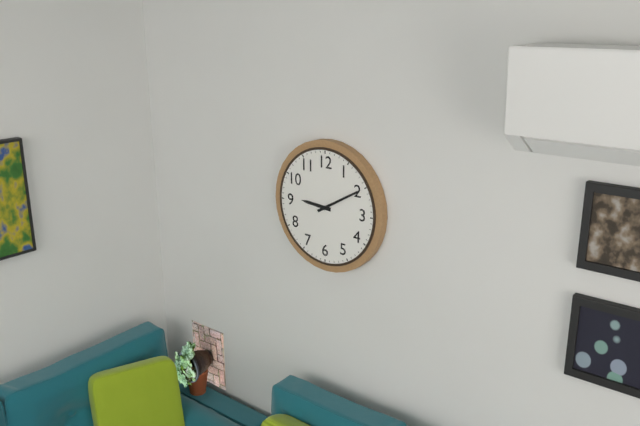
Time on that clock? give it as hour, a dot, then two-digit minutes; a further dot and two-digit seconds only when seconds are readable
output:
9.10
